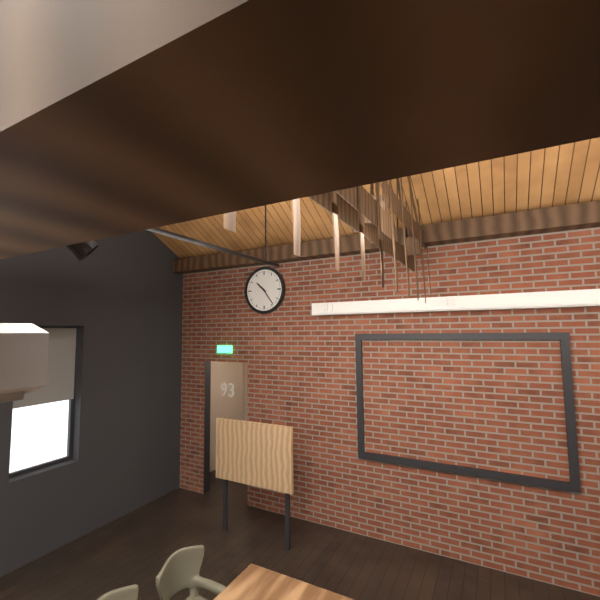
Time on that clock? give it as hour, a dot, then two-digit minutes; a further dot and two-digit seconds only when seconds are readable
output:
10.24
